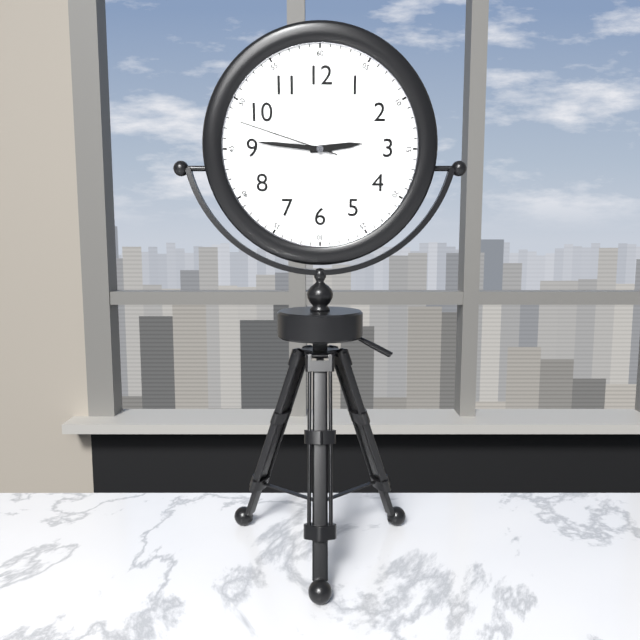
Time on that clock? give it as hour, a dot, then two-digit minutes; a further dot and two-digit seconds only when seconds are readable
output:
2.46.48
